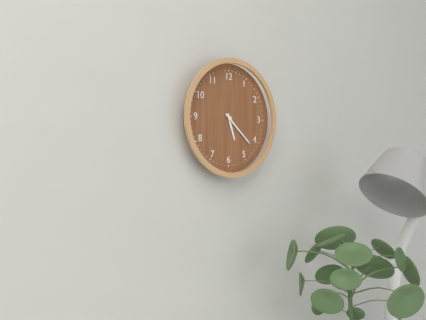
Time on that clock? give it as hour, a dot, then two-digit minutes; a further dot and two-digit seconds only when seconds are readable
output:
5.22
